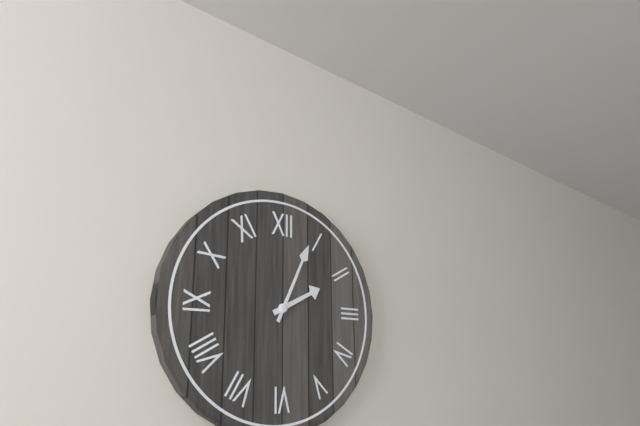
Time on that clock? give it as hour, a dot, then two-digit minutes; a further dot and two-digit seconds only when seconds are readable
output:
2.04
